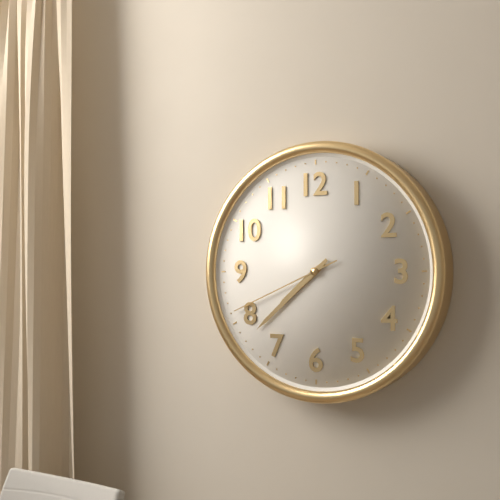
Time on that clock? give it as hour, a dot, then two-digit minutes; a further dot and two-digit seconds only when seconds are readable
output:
7.38.41
